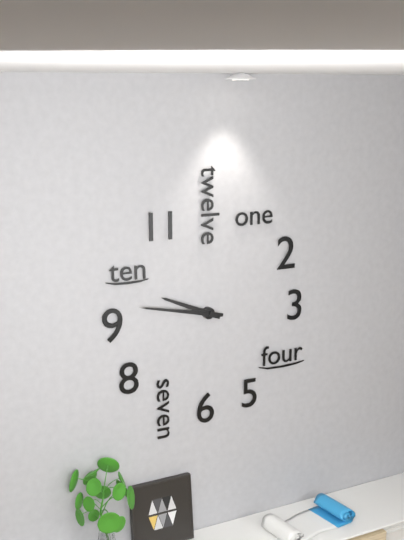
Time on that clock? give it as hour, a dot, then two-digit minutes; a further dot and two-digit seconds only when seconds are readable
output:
9.47
